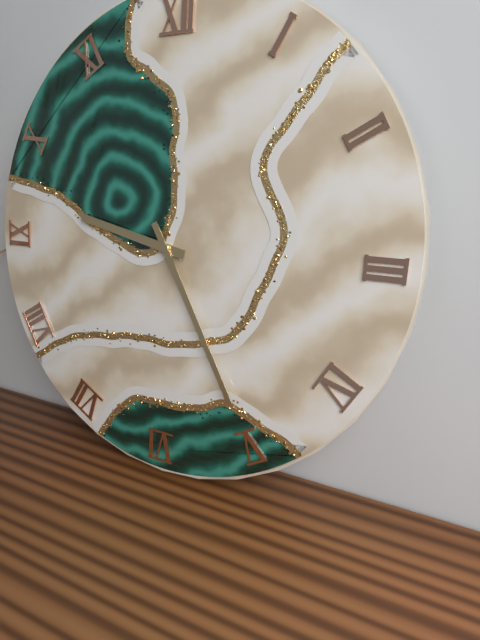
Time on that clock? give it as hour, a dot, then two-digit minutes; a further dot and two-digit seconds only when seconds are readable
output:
9.25
